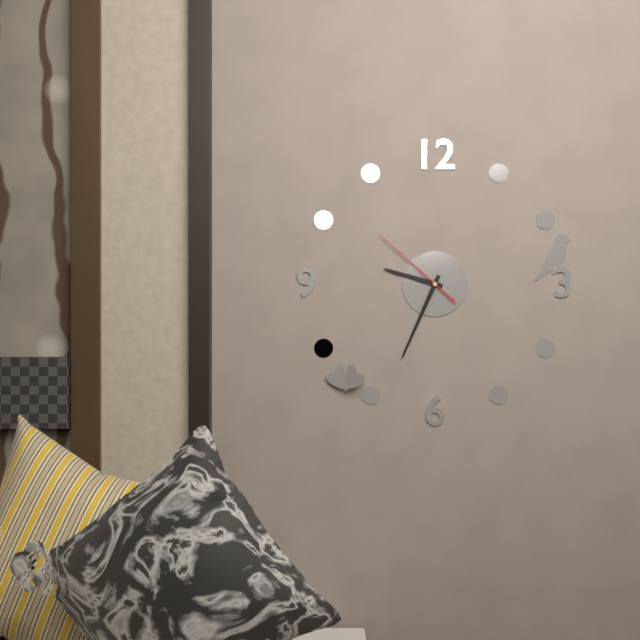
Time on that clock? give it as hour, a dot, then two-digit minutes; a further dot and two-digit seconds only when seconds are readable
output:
9.34.52
